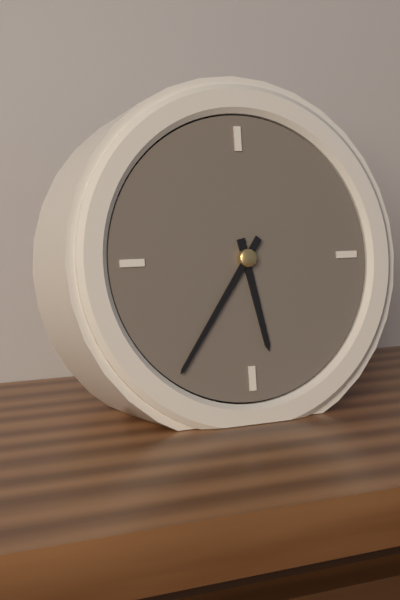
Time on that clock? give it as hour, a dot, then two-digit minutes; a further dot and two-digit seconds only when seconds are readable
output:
5.36
